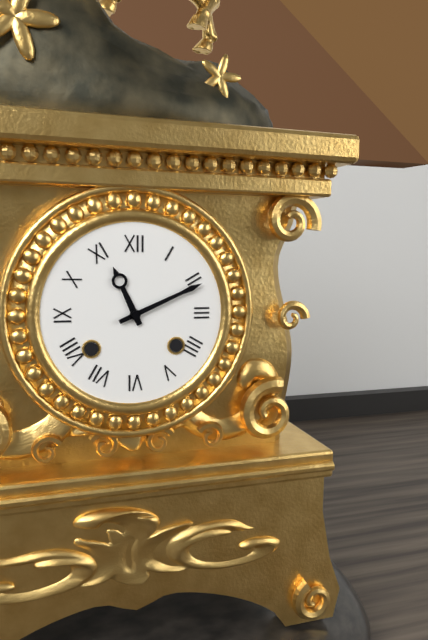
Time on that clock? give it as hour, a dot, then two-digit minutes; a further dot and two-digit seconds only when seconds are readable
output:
11.11
